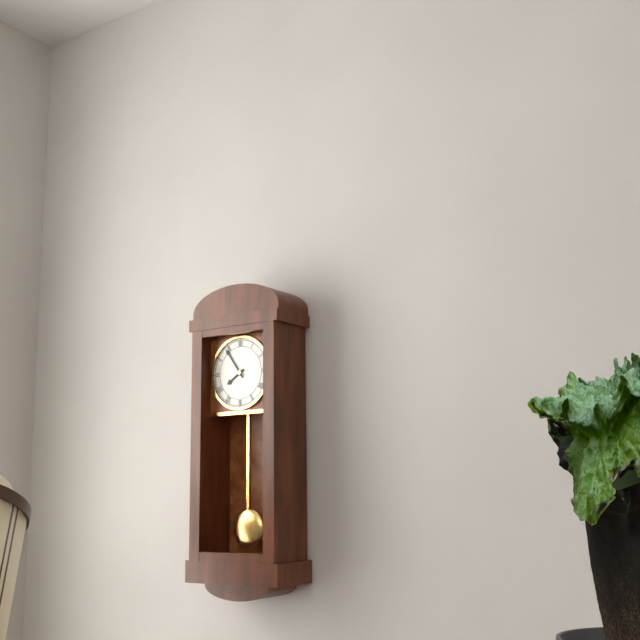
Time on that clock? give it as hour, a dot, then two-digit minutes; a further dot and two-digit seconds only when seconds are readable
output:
7.54
